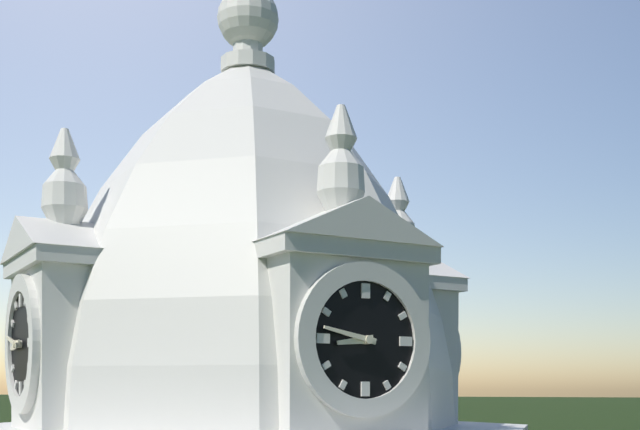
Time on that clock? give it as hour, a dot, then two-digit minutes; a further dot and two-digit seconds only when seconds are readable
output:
8.47
